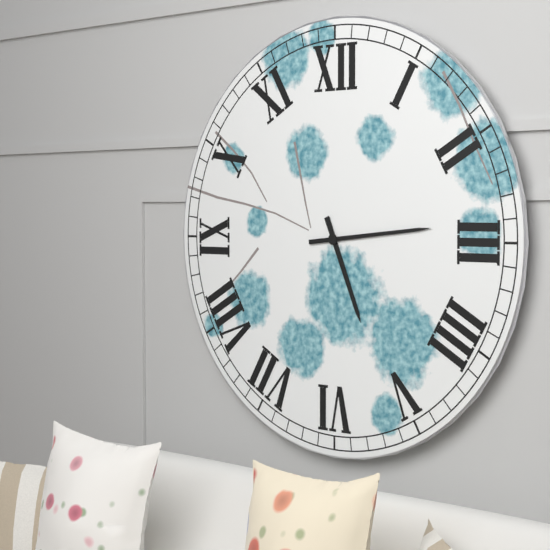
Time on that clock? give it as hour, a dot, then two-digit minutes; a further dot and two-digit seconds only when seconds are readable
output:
5.14
